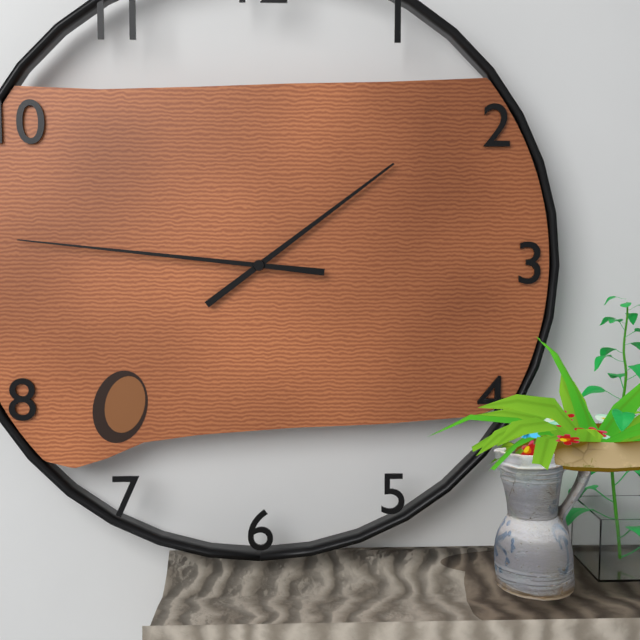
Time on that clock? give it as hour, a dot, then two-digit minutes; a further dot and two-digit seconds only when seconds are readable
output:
1.46
